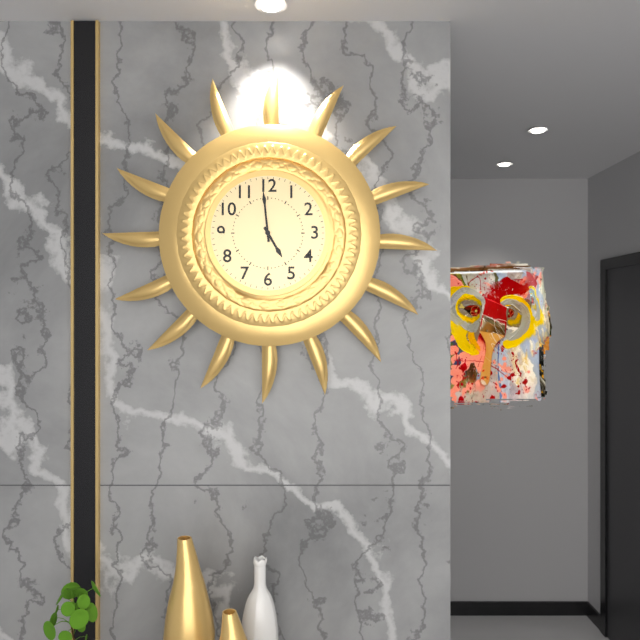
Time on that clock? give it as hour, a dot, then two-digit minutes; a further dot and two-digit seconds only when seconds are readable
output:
4.59
